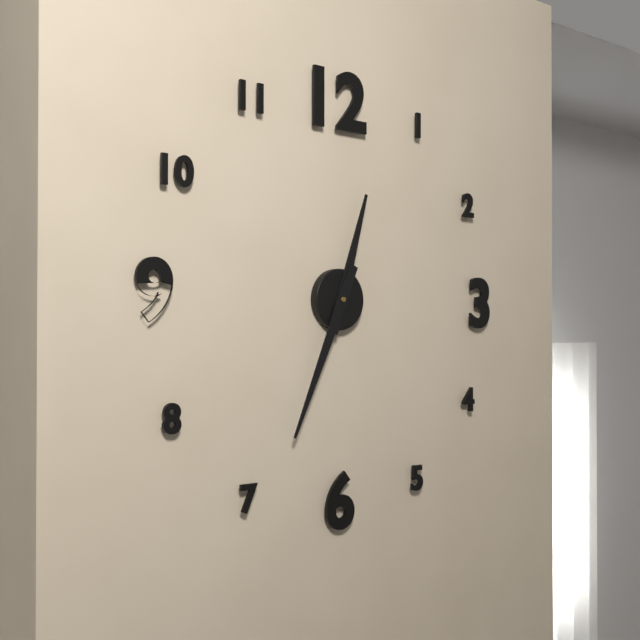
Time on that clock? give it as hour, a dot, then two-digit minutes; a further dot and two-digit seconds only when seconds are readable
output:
12.34
